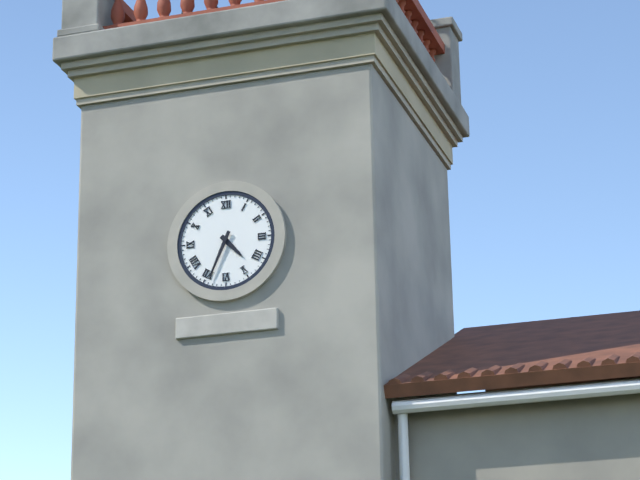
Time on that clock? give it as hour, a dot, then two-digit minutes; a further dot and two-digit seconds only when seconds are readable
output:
4.34
